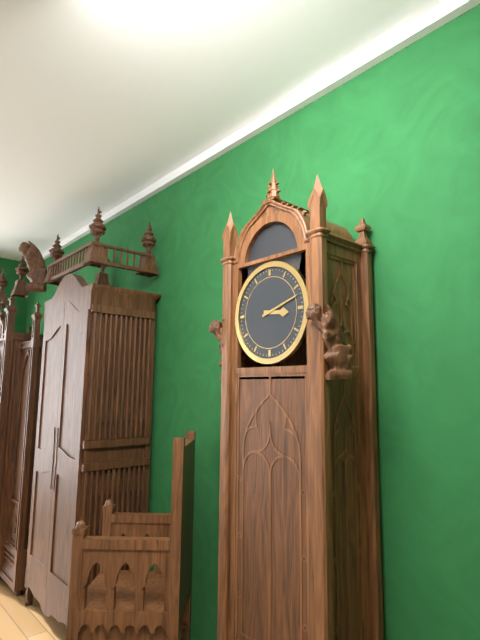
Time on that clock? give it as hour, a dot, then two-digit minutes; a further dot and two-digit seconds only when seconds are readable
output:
3.12
